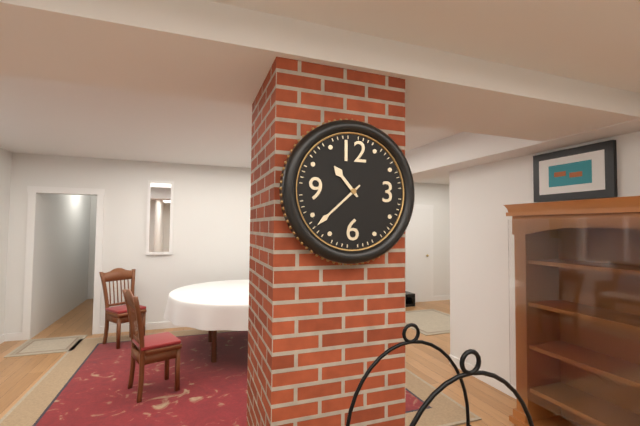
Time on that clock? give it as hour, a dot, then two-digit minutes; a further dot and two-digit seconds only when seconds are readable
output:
10.38
